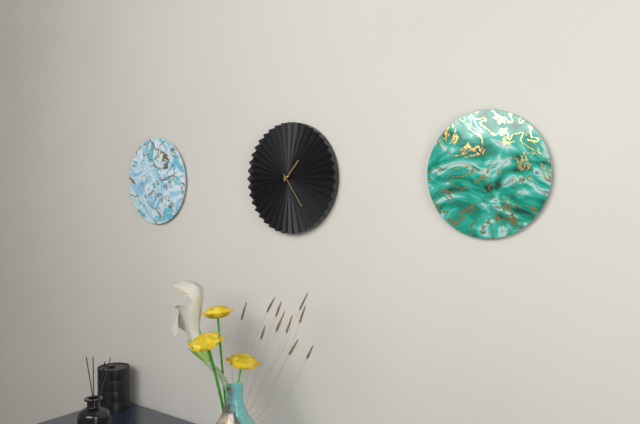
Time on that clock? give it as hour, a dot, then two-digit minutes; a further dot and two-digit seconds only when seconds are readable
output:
1.24
